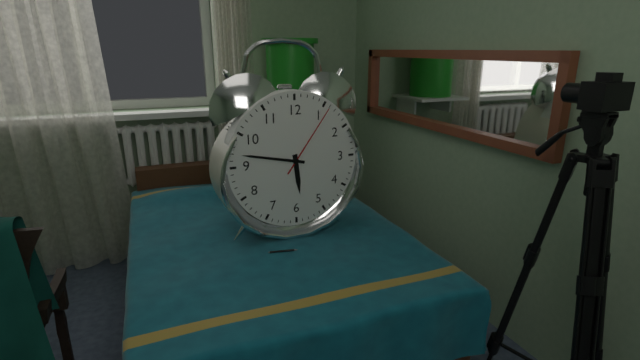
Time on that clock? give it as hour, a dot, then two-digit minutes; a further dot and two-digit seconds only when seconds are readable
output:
5.47.06
